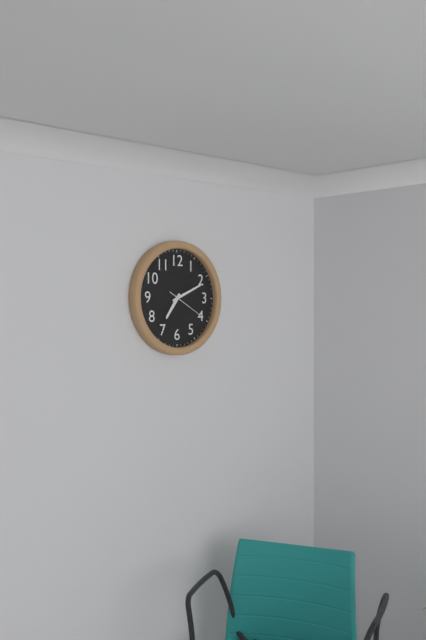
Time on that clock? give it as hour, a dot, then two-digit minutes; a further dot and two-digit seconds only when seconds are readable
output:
7.11
